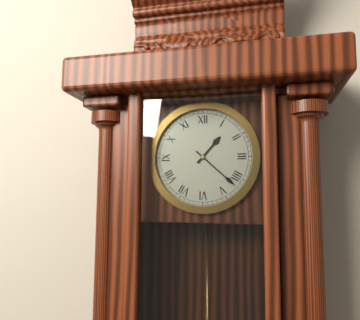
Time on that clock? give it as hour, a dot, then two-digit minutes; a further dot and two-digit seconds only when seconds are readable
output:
1.22
